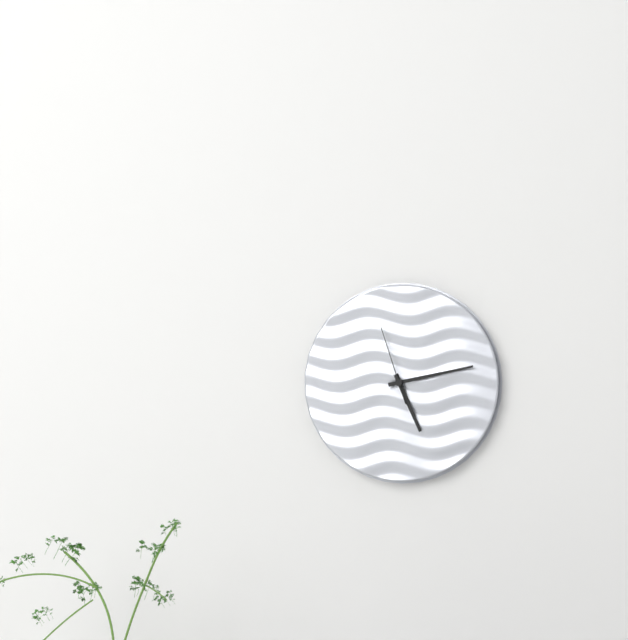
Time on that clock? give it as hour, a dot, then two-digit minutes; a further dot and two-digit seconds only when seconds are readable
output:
5.13.57
